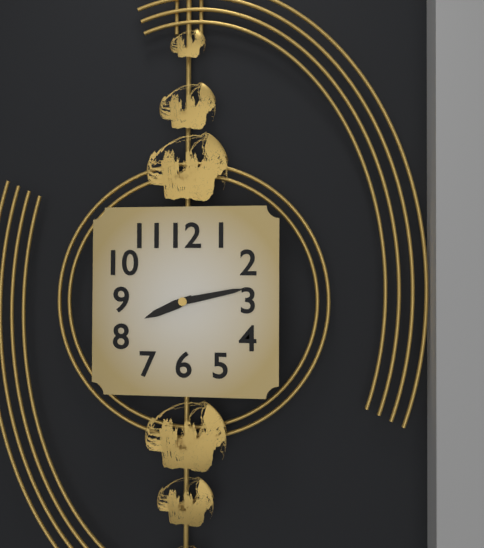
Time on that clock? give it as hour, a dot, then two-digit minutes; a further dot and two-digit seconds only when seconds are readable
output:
8.13
